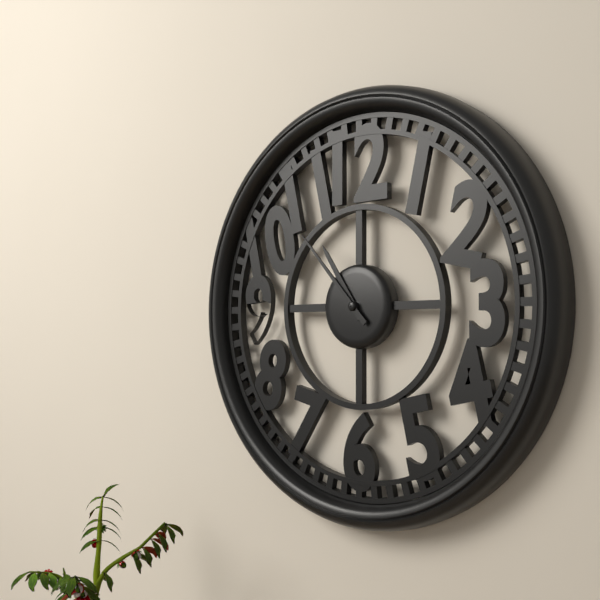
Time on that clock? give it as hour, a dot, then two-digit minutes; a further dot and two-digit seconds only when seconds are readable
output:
10.53
